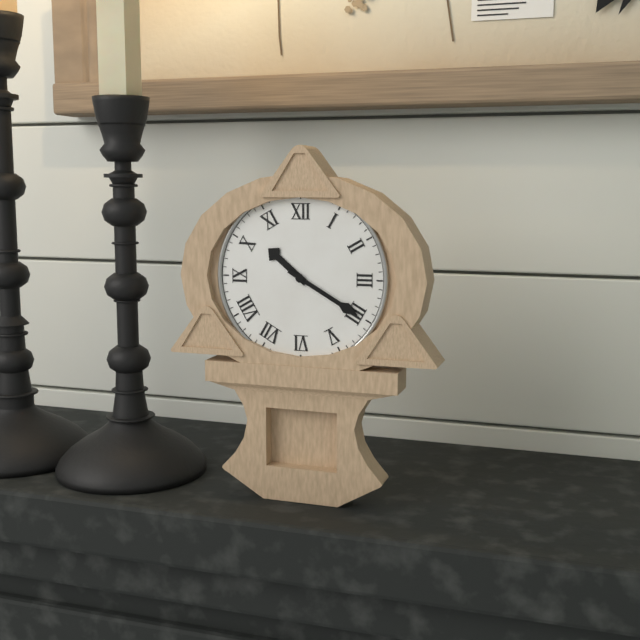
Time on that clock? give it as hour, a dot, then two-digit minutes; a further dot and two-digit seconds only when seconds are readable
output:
10.20
